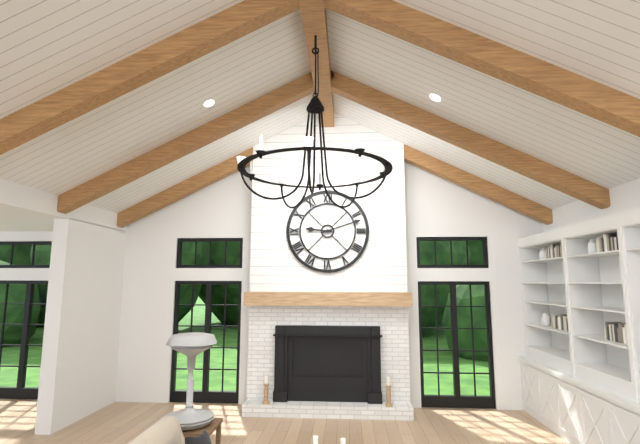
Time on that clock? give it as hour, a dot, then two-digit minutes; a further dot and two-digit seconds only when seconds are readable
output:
9.12
